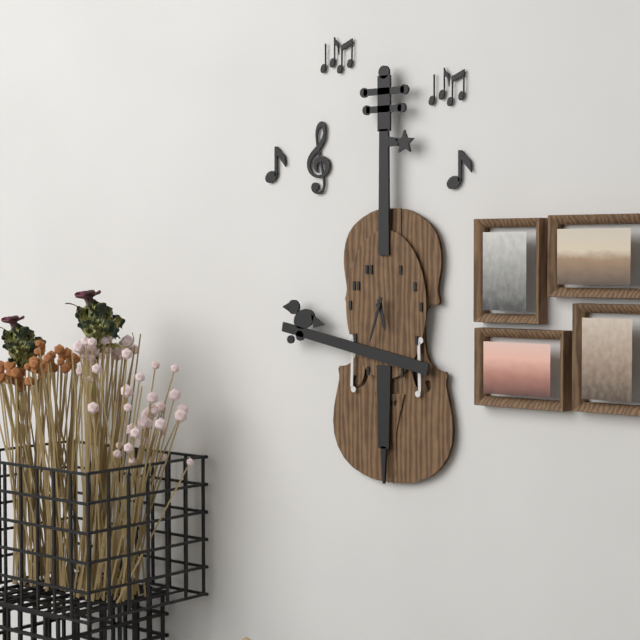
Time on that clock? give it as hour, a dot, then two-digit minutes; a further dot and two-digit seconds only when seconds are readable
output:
5.33
